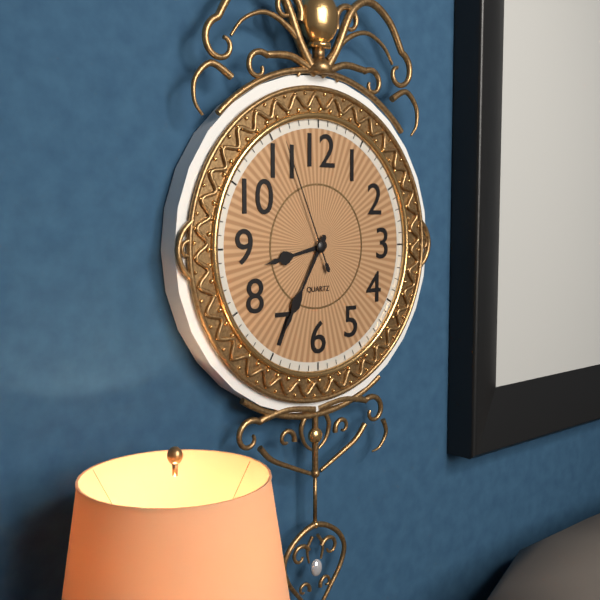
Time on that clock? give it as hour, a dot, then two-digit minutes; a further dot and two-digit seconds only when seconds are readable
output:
8.35.56
